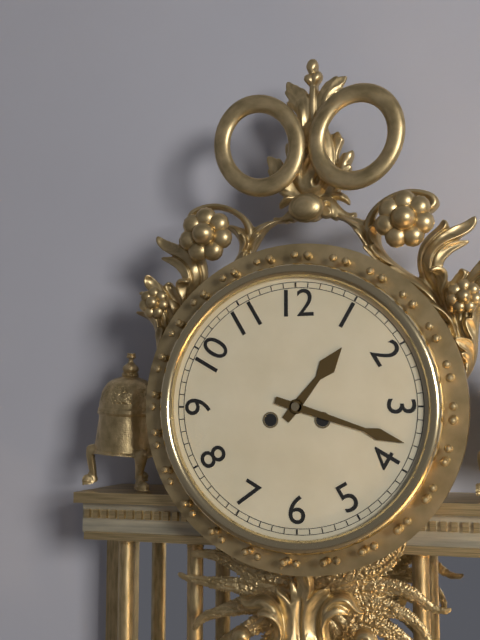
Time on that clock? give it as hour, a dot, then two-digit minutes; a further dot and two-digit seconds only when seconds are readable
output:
1.18
